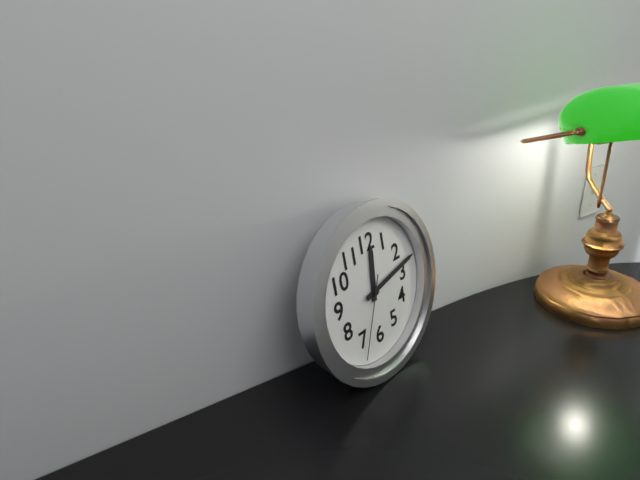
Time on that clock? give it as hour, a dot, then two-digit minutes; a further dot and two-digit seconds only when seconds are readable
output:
12.13.34
